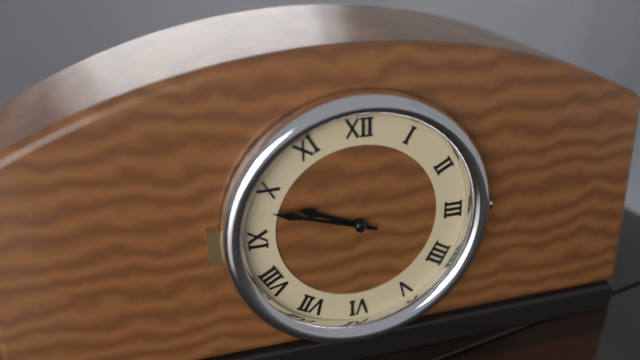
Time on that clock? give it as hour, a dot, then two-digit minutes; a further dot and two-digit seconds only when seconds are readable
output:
9.48
